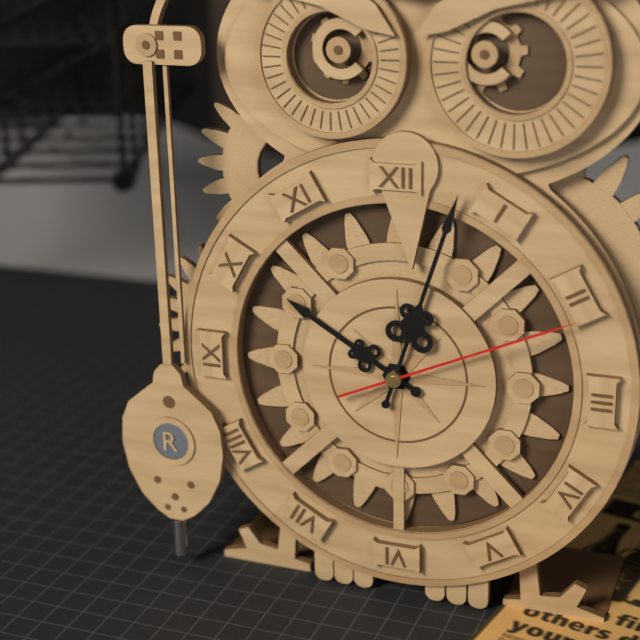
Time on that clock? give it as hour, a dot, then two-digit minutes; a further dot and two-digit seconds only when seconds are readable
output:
10.03.11
